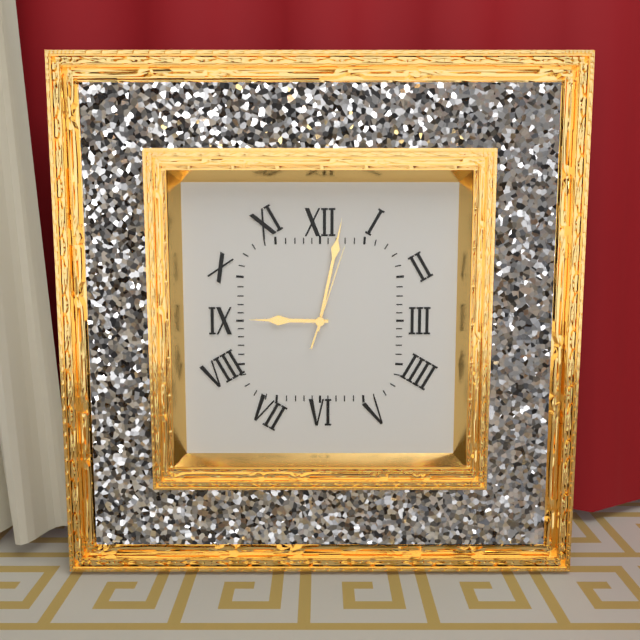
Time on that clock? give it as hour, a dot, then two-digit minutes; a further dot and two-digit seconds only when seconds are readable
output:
9.02.03
